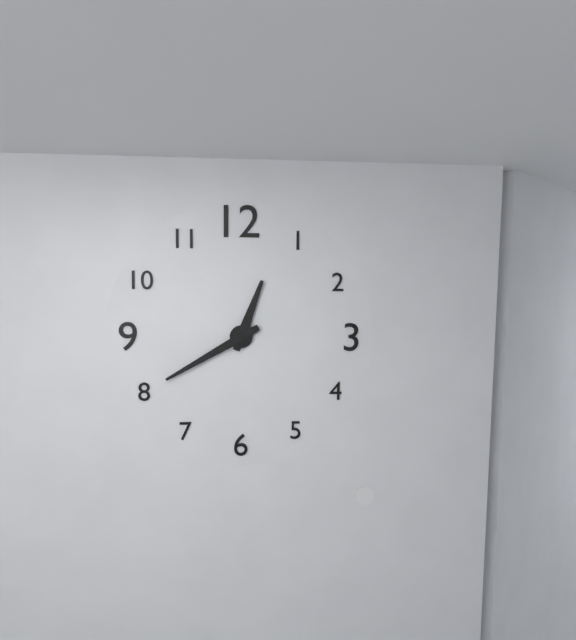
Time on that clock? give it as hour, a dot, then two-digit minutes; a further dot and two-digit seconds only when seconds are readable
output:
12.40
